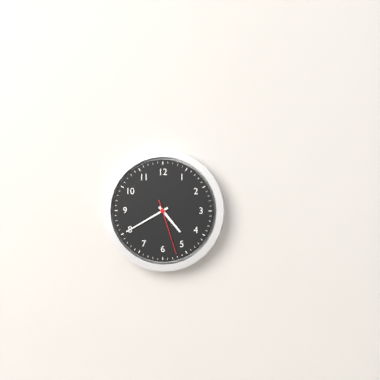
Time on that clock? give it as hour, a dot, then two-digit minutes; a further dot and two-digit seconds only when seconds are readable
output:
4.40.27
